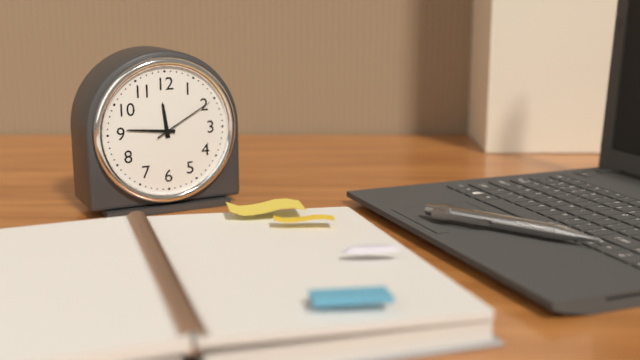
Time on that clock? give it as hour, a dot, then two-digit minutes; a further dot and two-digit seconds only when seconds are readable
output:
11.46.10
